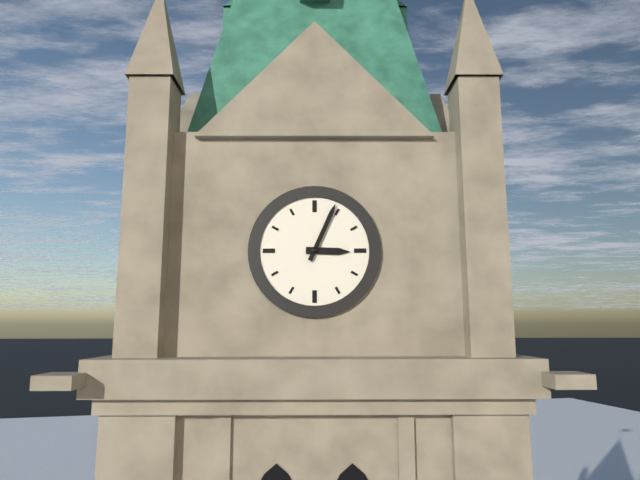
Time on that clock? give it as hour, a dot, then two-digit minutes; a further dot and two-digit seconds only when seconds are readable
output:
3.04
